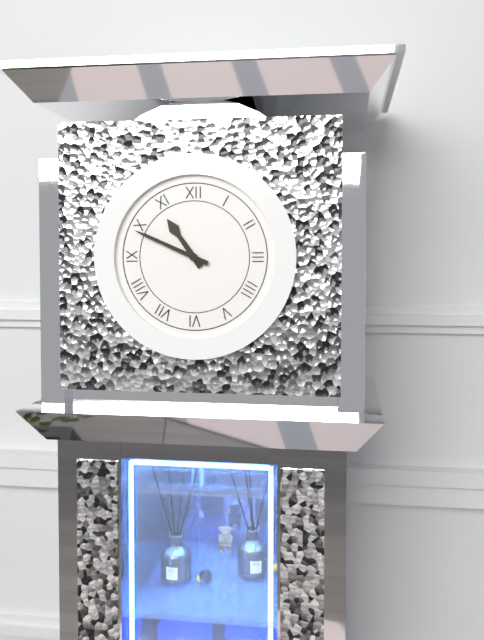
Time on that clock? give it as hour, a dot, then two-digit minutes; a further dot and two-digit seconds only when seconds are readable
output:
10.49
